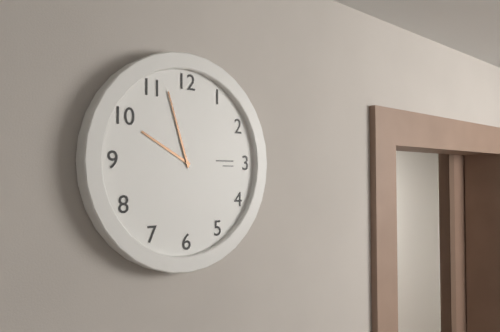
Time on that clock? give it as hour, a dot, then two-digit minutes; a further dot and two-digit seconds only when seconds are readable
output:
9.57
